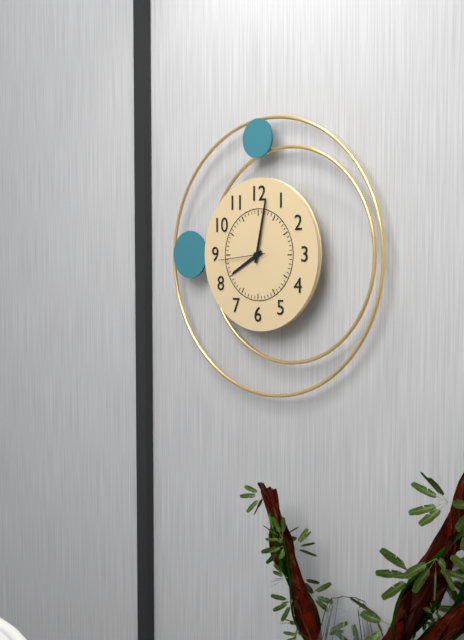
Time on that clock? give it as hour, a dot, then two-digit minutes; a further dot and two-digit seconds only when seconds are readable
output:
8.02.44
